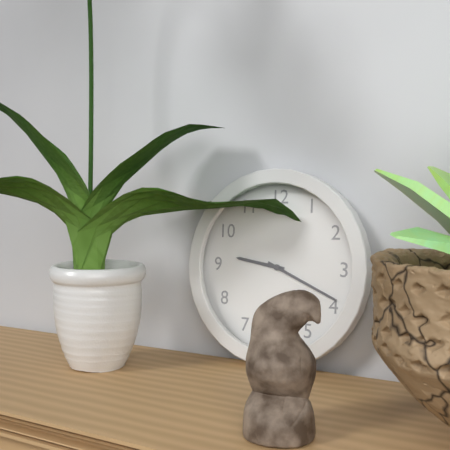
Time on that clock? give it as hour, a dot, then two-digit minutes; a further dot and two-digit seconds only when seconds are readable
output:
9.19
